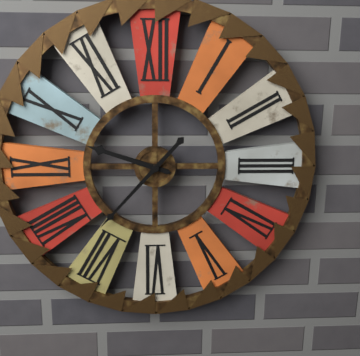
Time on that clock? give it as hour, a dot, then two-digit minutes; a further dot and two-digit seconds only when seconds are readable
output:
9.37
